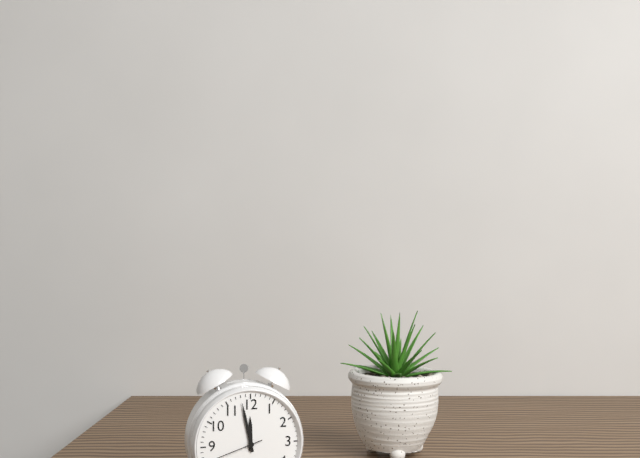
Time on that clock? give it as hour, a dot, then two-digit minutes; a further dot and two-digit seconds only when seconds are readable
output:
11.58
